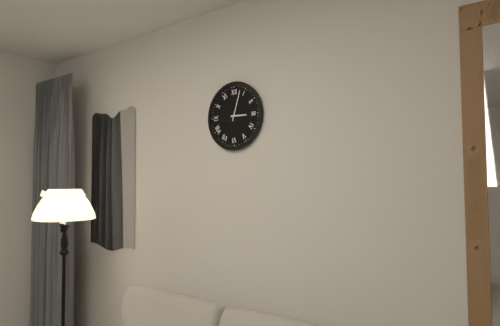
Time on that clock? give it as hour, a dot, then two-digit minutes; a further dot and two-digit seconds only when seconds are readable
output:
3.03
